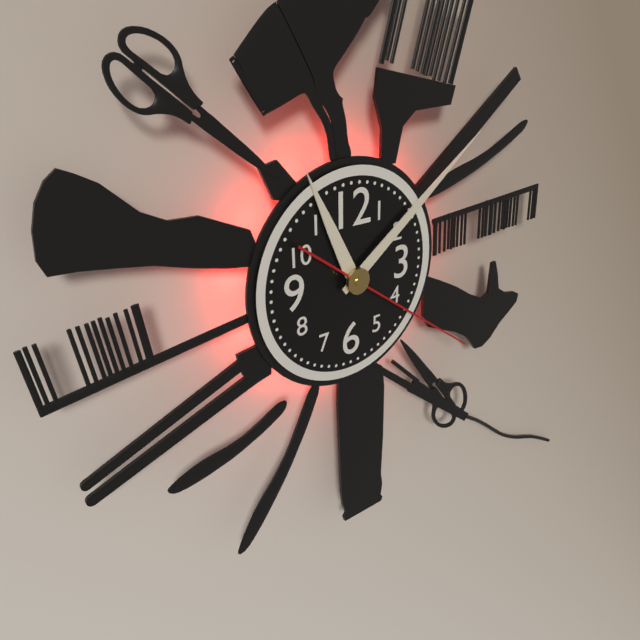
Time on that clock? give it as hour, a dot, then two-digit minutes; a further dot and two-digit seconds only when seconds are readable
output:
11.09.21
